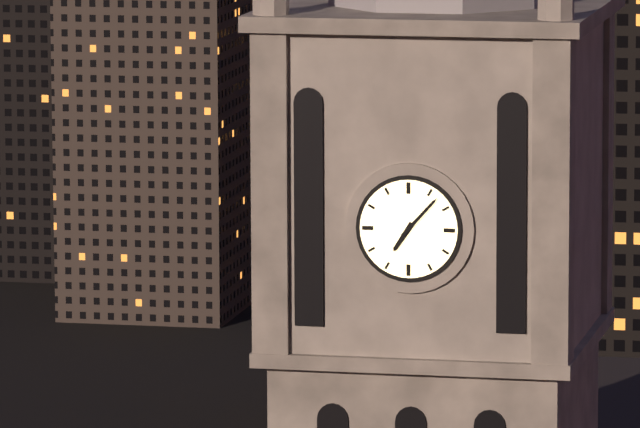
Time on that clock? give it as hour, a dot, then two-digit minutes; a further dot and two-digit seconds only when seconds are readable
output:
7.07
